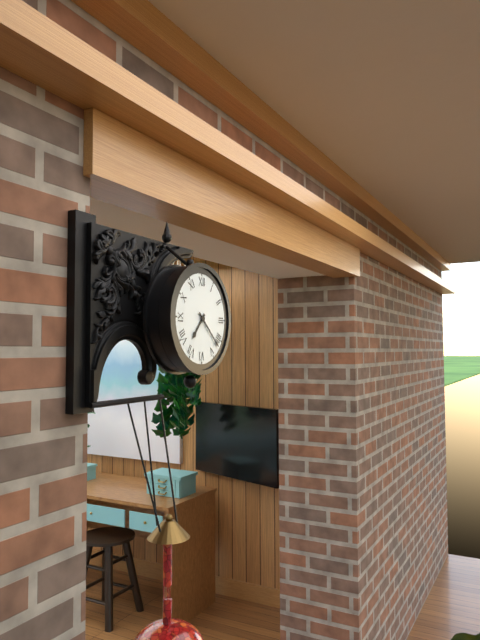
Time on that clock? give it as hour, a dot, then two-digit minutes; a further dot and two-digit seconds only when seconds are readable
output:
7.22
